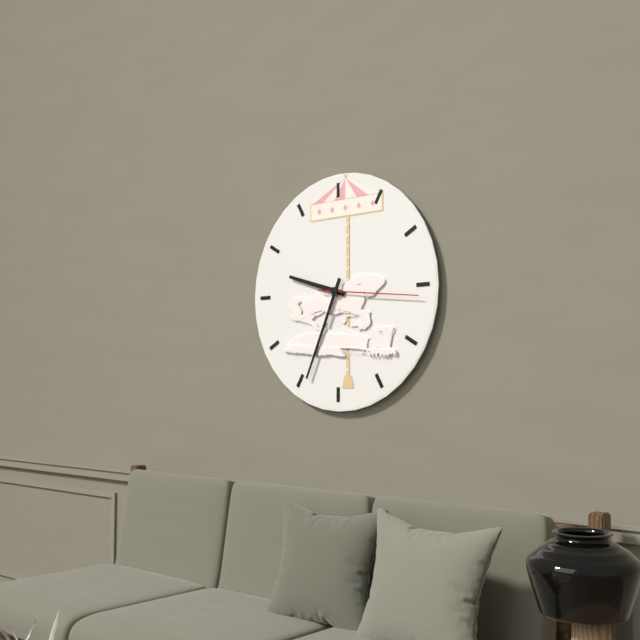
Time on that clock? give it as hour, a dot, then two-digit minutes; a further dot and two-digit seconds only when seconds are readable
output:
9.34.16
